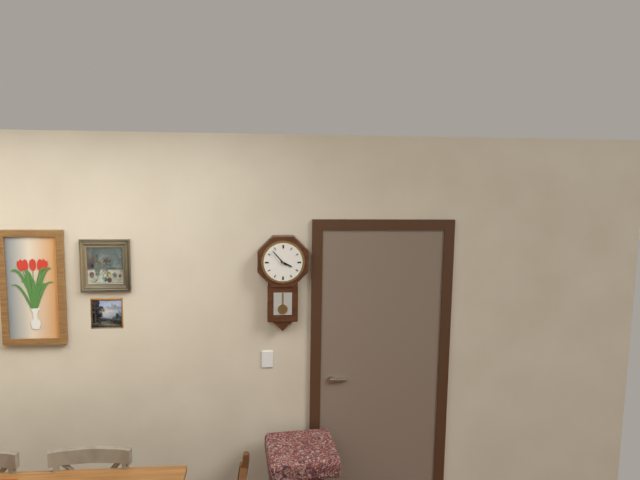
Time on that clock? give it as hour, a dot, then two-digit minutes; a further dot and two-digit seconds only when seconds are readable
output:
3.53
